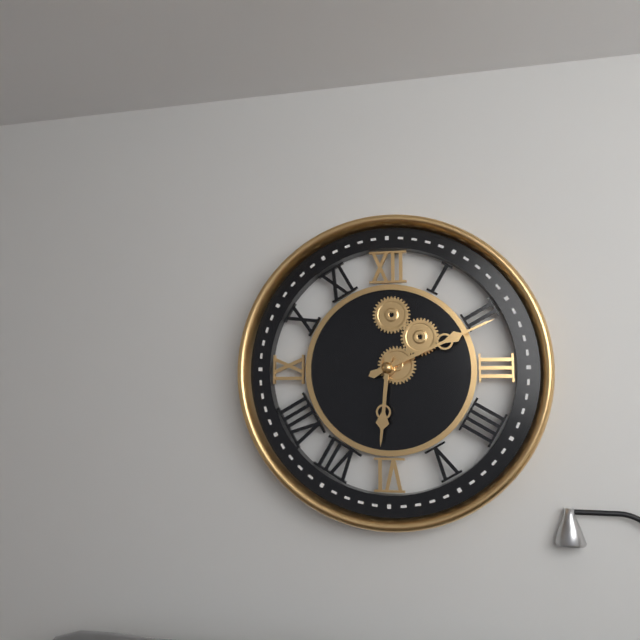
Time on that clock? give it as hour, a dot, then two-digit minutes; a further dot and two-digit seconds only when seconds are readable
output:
6.11
